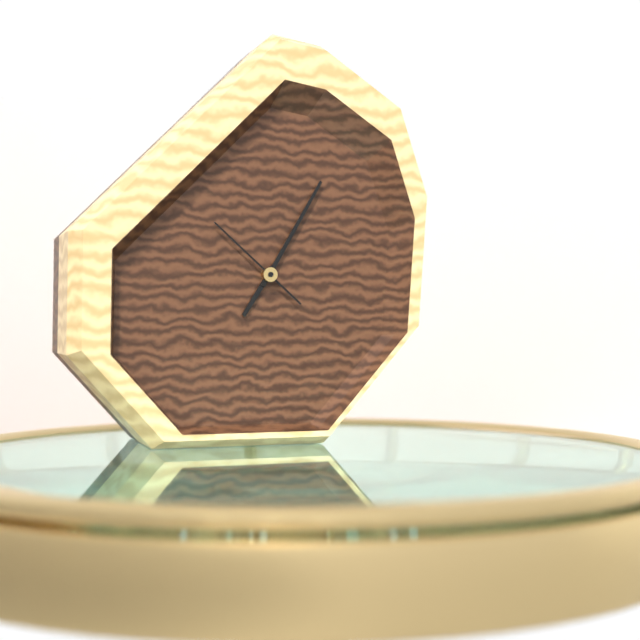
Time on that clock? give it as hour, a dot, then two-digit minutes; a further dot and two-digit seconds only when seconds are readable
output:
7.05.52
